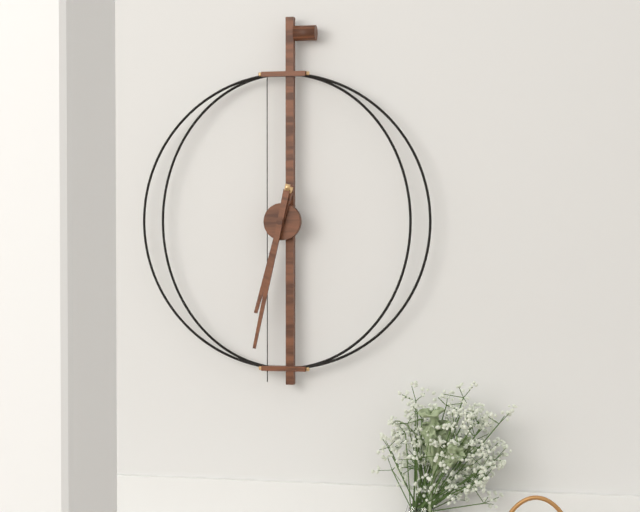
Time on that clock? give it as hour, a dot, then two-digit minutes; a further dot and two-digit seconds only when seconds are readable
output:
6.32
